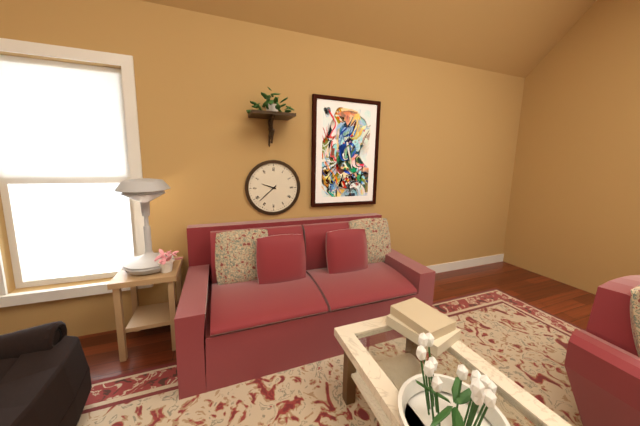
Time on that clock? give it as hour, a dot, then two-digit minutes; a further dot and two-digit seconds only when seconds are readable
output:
9.38
